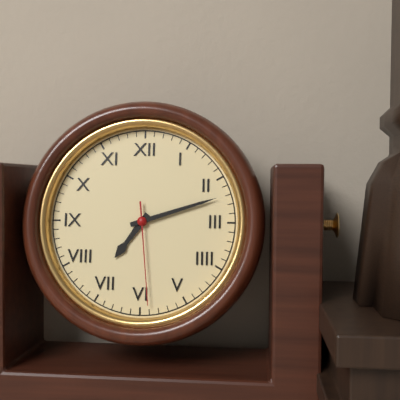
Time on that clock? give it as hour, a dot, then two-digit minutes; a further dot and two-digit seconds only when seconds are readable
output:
7.12.29
